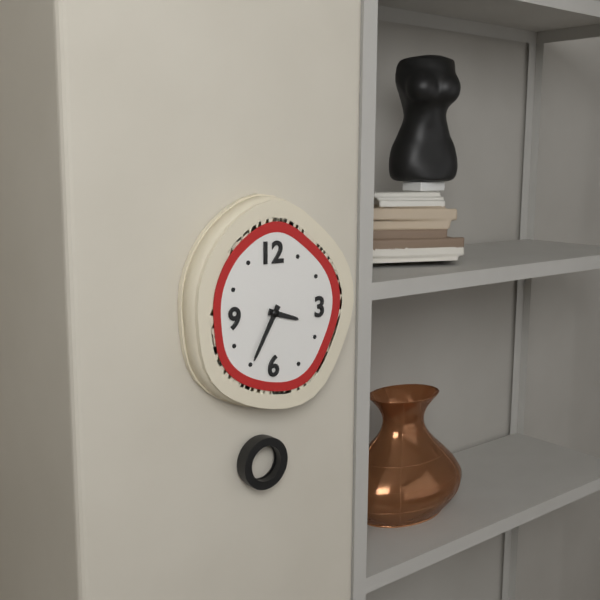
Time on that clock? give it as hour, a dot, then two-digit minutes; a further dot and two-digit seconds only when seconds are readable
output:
3.35
